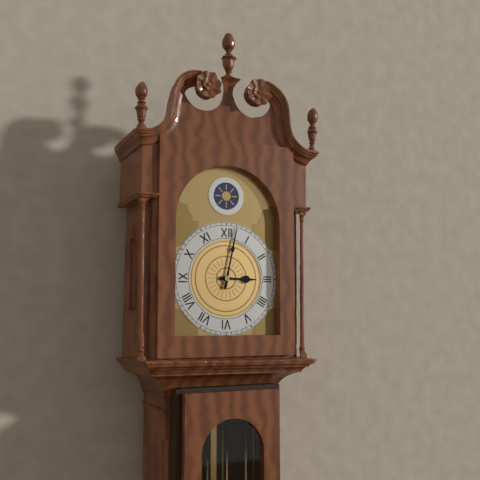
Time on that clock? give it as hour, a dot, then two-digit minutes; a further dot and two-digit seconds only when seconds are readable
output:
3.02
